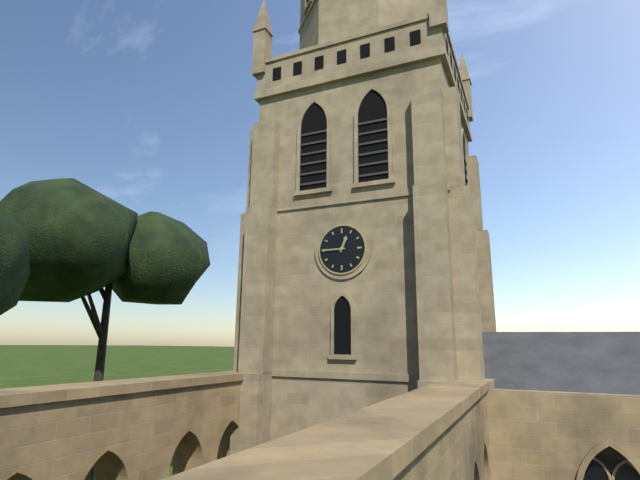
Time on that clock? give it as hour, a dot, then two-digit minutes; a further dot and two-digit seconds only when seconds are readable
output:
12.45
